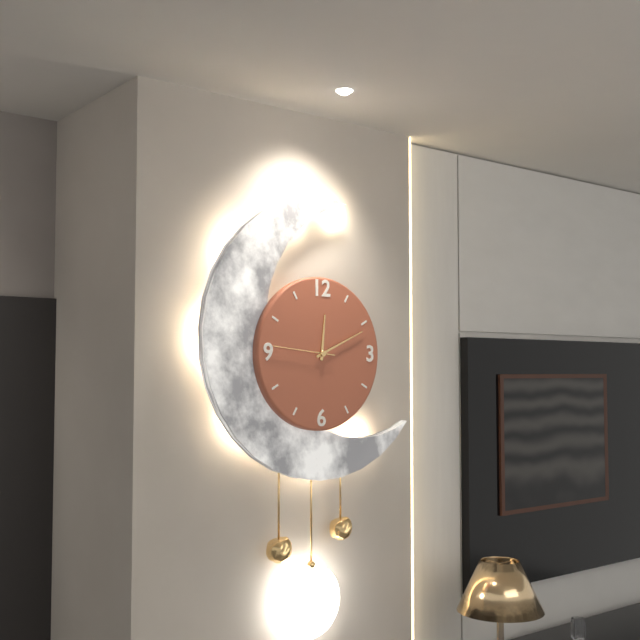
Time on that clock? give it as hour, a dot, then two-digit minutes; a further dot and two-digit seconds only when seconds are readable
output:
12.11.46
